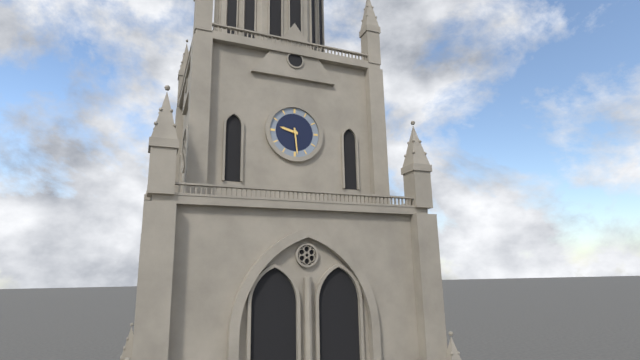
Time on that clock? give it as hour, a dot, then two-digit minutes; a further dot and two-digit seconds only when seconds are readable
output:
9.29
